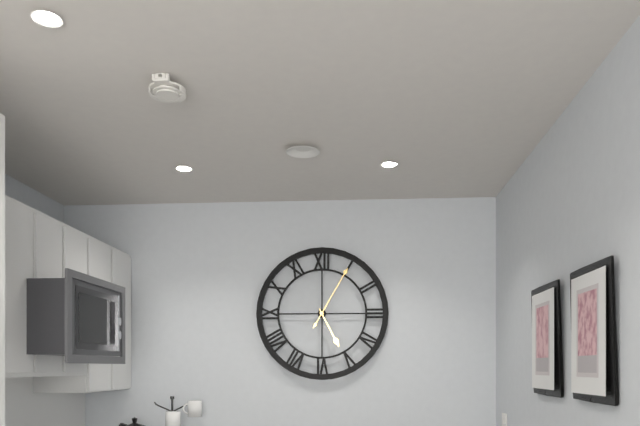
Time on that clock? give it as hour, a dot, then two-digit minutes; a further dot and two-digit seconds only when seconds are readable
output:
5.05
